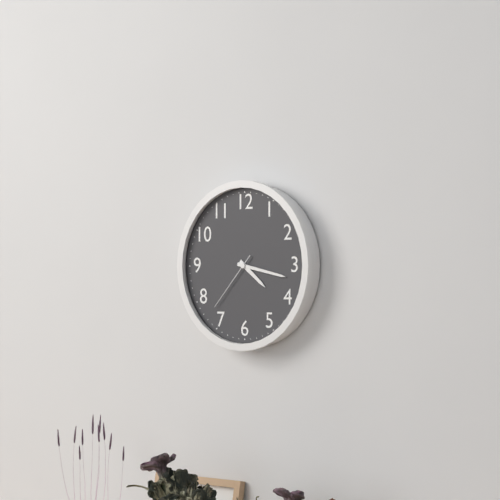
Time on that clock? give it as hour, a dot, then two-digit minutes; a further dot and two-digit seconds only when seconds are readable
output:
4.17.37
